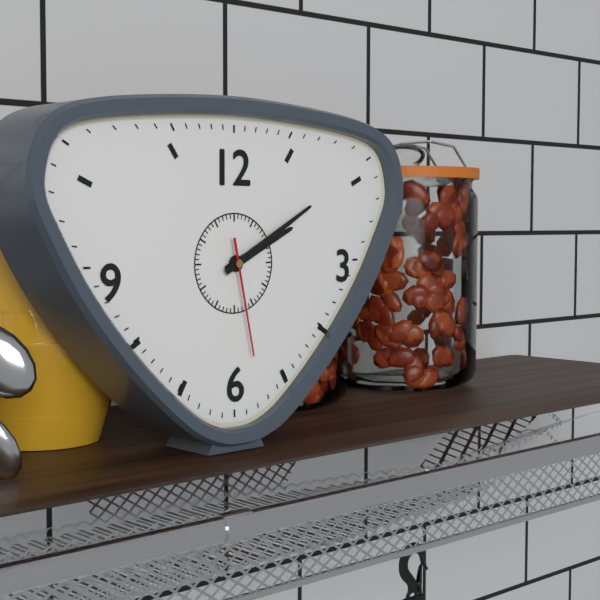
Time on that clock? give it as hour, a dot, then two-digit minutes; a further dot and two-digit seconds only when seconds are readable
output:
2.10.28
